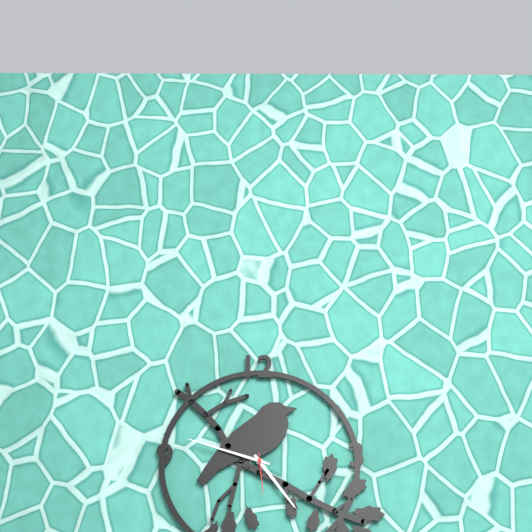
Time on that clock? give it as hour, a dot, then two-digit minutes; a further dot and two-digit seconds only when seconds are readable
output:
4.48
